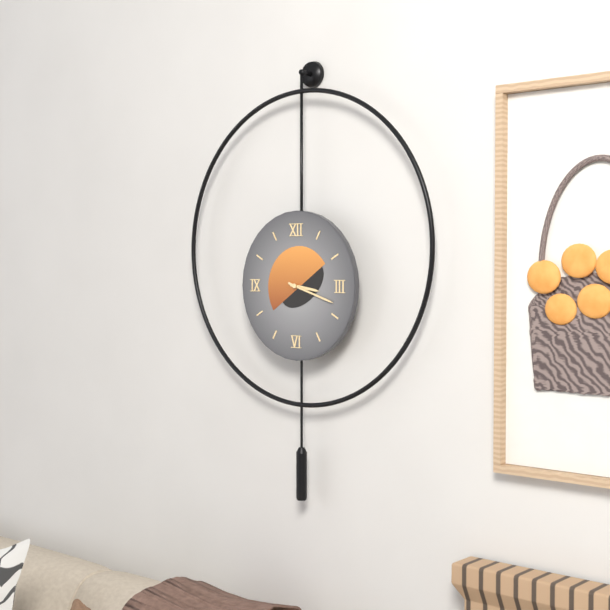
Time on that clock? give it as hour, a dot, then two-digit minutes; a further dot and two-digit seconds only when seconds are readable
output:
3.18
